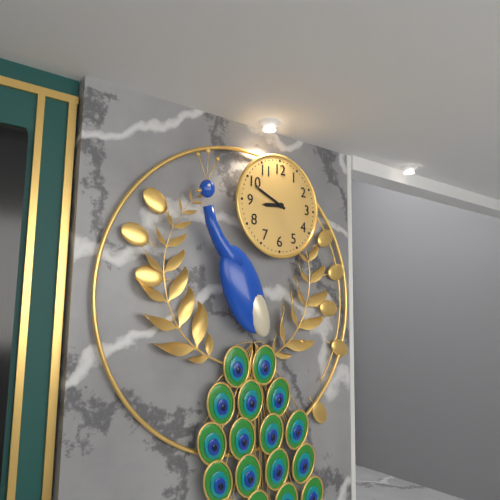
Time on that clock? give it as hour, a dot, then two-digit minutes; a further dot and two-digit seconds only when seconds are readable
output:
8.49
